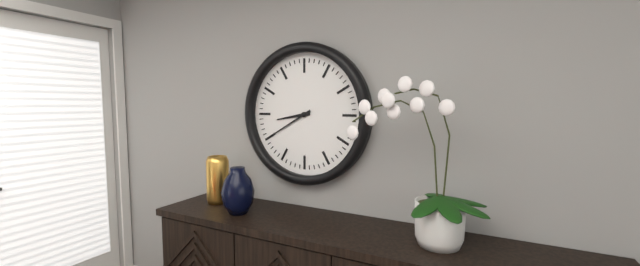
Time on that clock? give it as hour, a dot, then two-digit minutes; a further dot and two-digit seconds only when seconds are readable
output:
8.40
